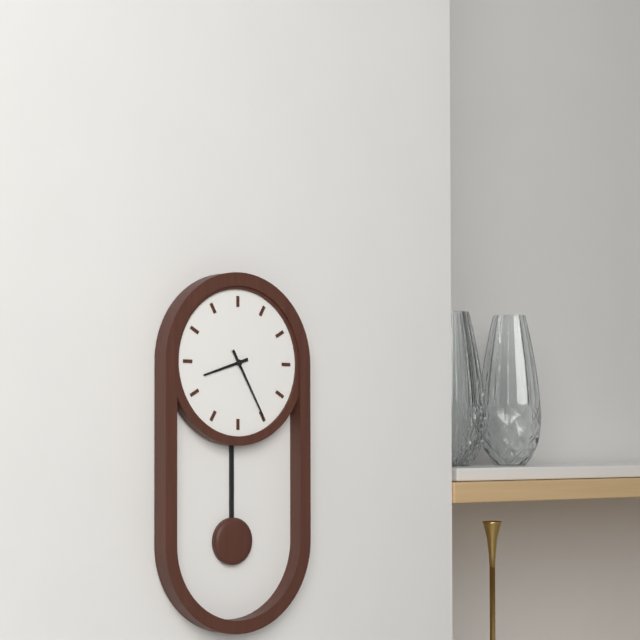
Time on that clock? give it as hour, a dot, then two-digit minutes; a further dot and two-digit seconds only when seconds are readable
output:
8.25
